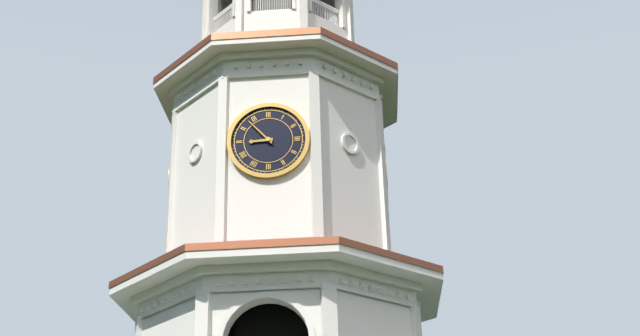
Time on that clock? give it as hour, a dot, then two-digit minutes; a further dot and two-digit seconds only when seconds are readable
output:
8.53
